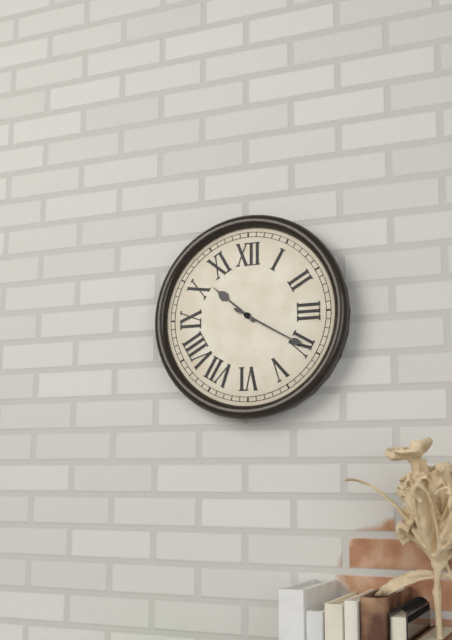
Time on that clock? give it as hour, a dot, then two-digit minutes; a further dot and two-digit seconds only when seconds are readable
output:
10.20.20
